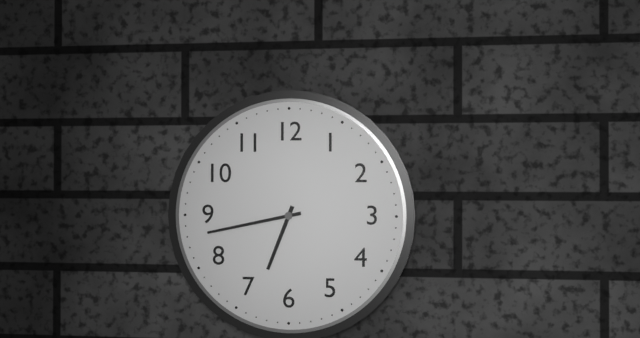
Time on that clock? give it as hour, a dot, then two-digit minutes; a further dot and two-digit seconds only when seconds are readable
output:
6.43
